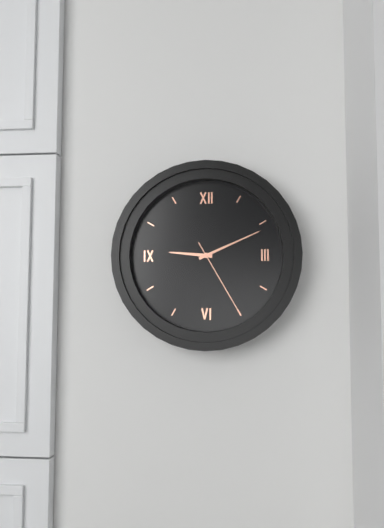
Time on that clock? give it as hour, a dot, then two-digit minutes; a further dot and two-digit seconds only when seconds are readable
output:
9.11.25
